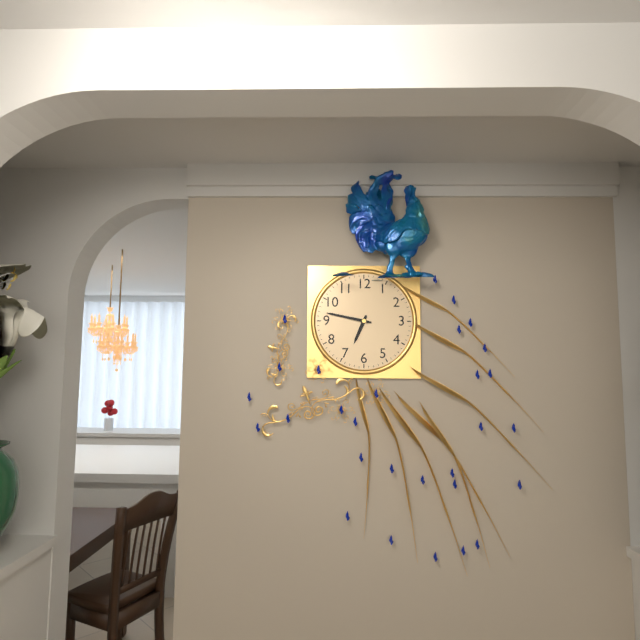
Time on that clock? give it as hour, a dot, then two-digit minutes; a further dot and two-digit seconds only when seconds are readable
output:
6.47
